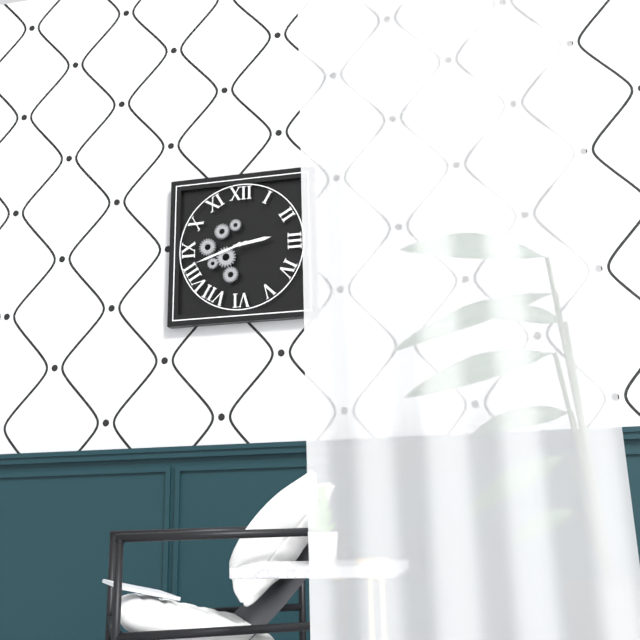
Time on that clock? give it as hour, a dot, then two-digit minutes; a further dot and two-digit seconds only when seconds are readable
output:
2.42
